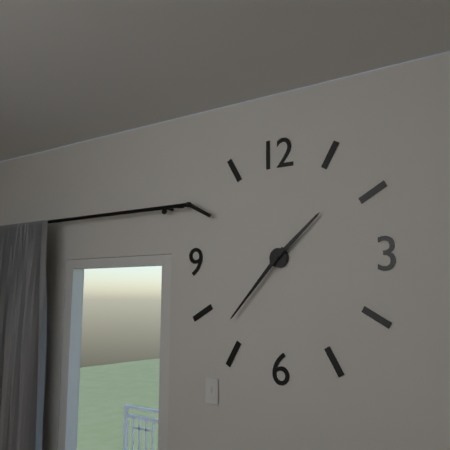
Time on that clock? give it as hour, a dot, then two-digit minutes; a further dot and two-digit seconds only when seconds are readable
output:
1.37
